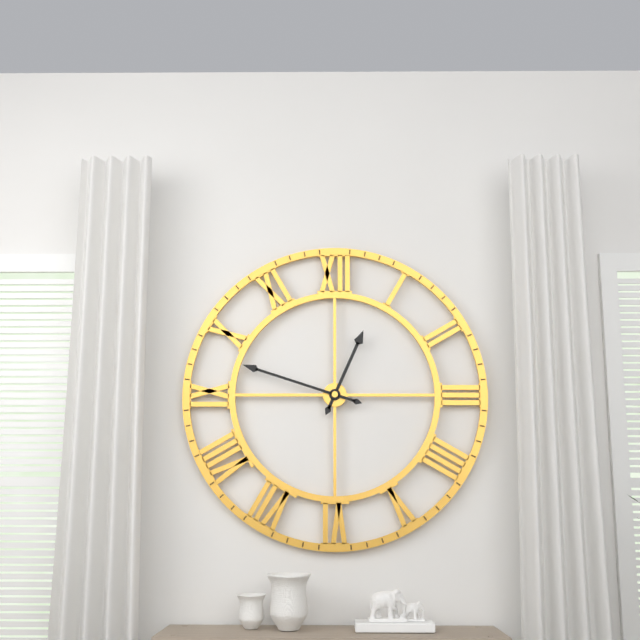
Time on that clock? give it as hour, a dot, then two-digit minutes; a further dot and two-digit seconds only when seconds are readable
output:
12.48
